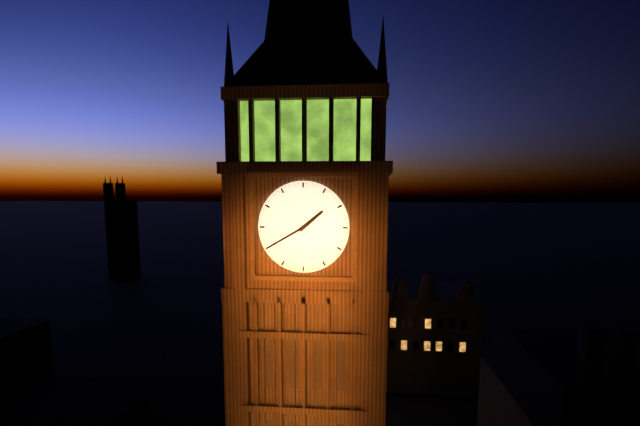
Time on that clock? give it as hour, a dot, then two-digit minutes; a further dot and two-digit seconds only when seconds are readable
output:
1.40
